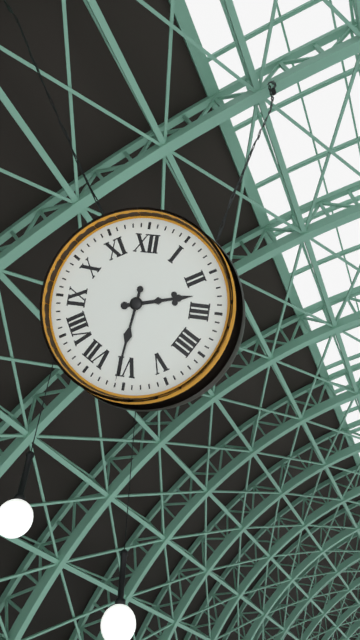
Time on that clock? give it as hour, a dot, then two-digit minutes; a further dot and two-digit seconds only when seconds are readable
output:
2.31
